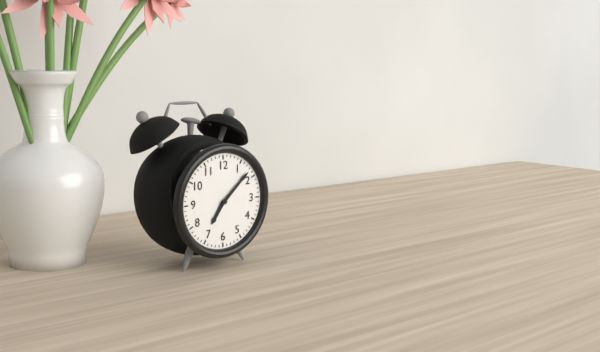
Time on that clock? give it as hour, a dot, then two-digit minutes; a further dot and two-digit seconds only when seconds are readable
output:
7.08
